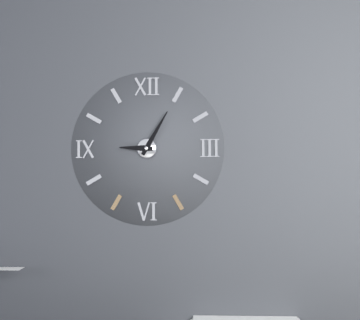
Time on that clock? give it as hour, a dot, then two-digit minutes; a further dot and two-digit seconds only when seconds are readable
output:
9.05
